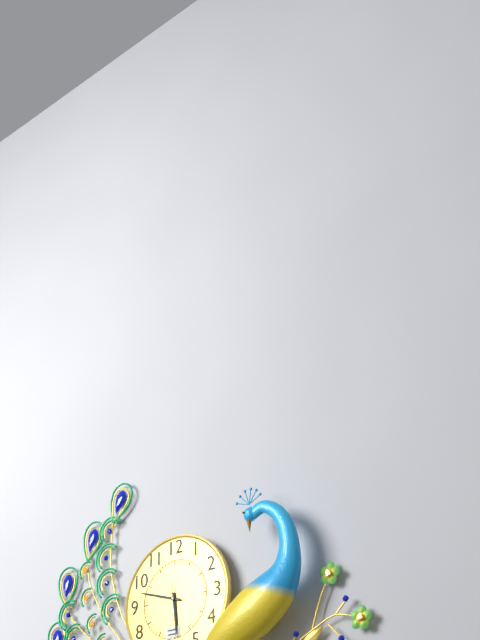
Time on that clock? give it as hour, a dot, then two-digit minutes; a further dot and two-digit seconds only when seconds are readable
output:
5.48
